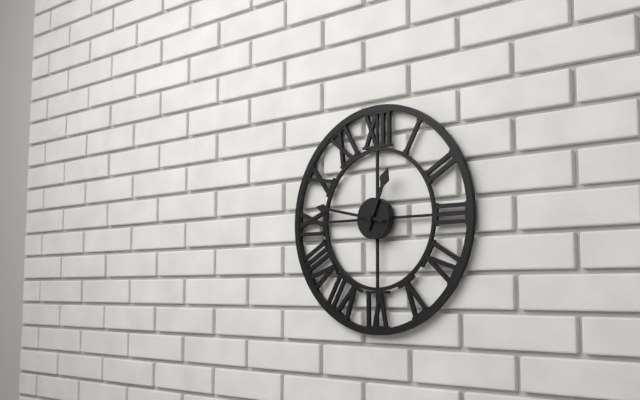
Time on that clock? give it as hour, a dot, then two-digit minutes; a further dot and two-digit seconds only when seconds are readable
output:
12.47
